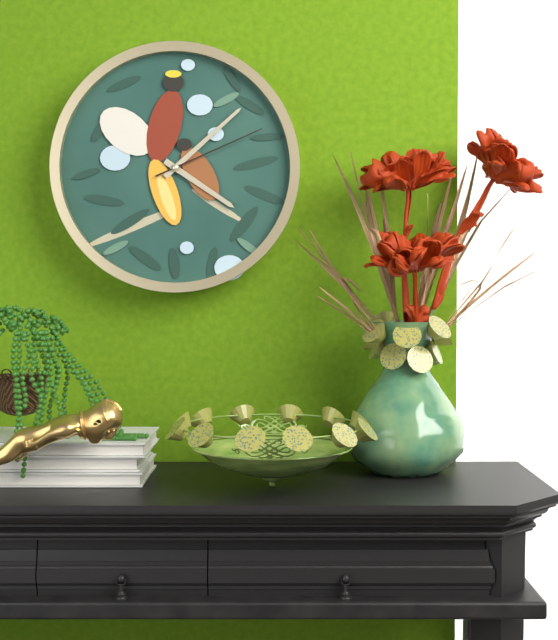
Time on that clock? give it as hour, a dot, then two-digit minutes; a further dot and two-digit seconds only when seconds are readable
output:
4.08.11
